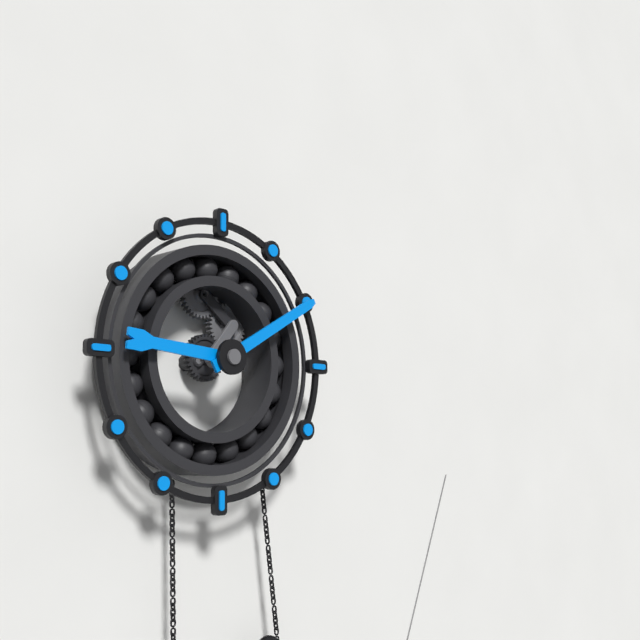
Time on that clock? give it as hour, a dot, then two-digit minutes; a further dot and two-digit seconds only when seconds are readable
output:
9.10
